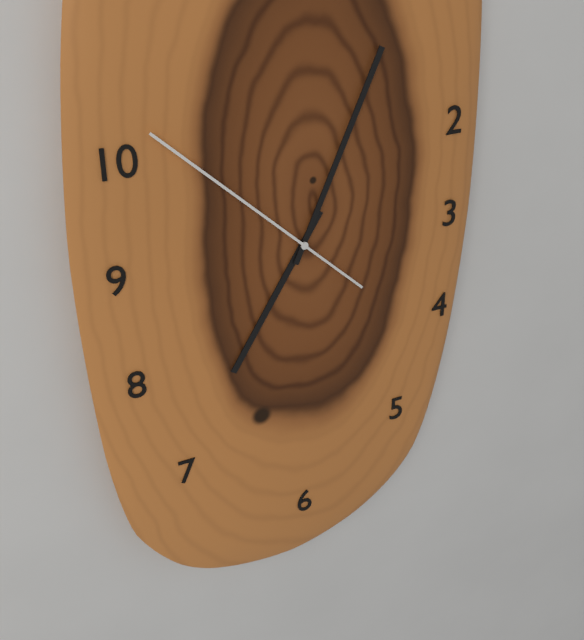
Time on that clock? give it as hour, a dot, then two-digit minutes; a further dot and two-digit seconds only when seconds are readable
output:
7.04.52
